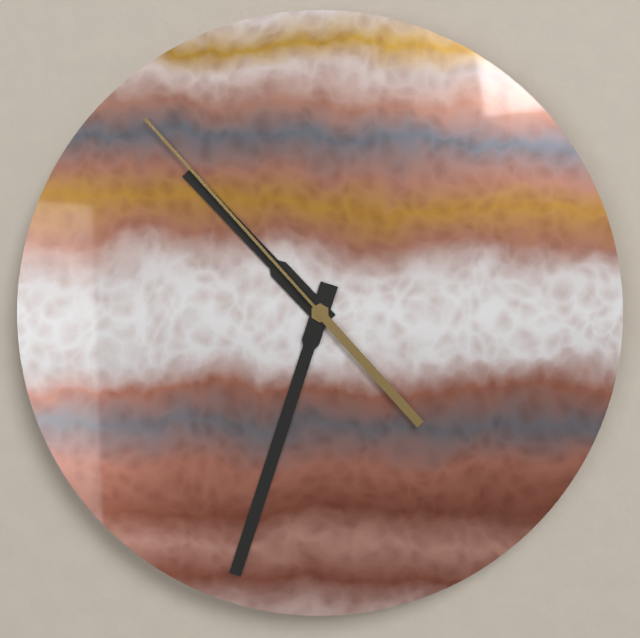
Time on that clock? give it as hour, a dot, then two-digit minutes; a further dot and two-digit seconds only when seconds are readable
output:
10.33.53
